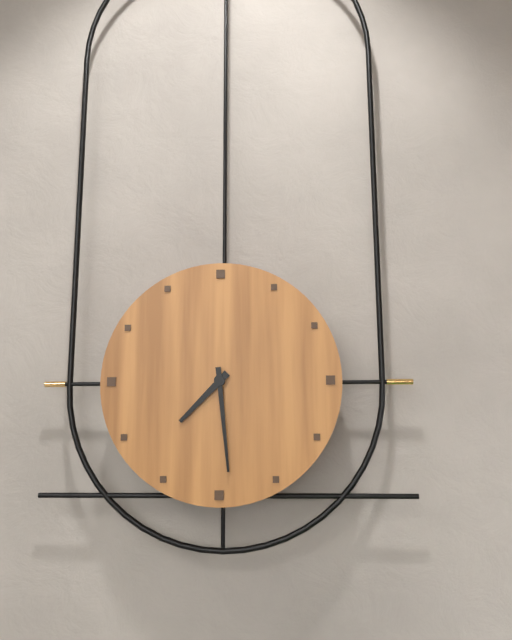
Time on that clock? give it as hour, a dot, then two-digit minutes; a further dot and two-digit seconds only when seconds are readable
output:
7.29
